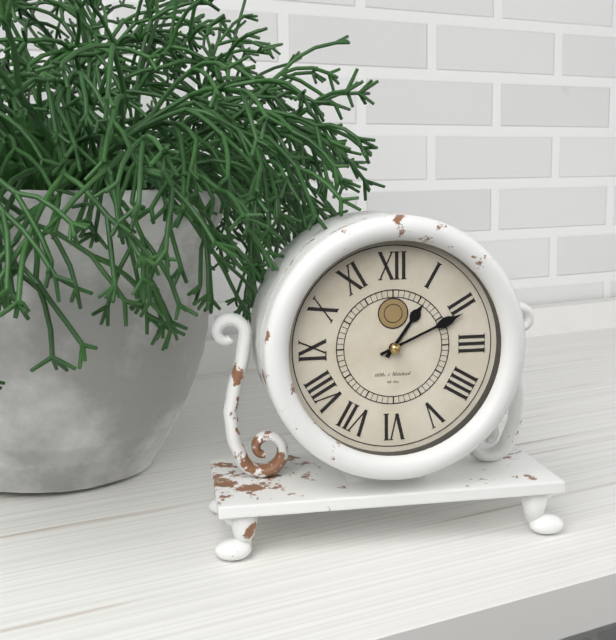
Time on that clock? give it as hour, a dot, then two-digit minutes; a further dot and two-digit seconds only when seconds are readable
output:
1.11
